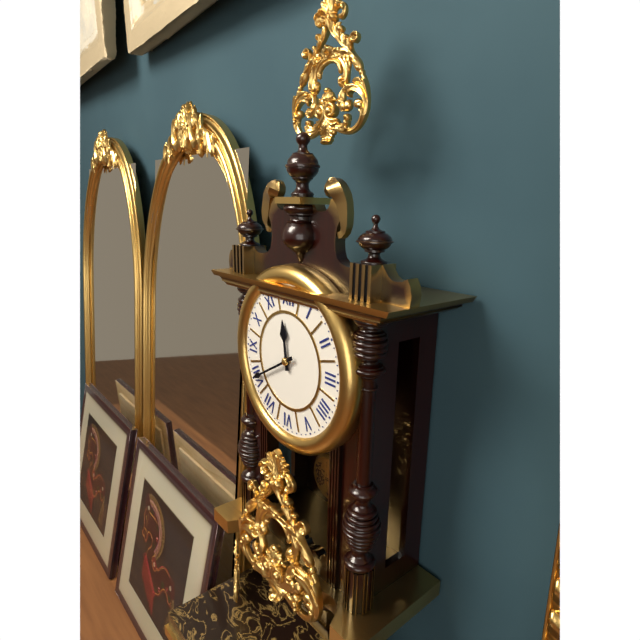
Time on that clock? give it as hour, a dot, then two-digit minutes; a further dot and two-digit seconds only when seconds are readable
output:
11.40
